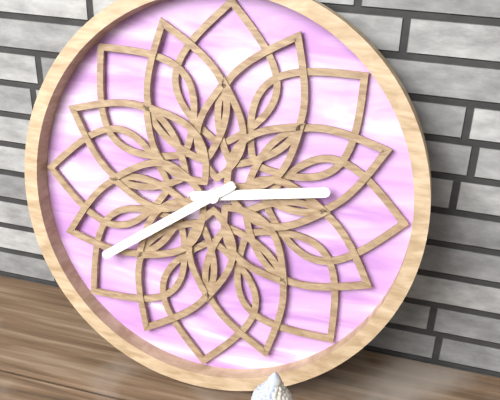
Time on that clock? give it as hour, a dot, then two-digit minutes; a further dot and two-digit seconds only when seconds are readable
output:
2.39
